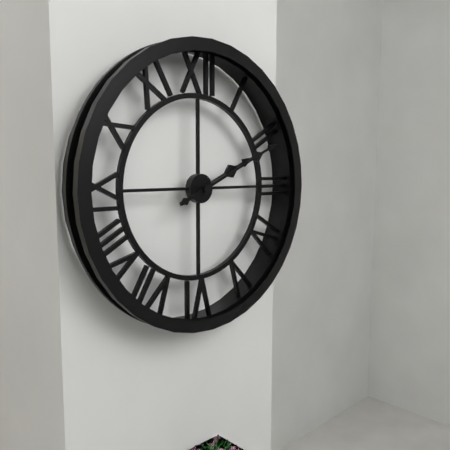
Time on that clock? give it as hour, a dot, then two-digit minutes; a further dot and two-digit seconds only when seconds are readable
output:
2.11
